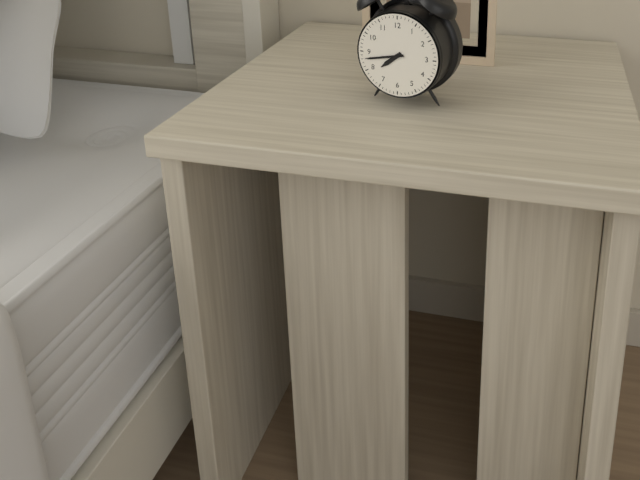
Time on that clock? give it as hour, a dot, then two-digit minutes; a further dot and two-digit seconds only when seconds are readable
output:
7.43
